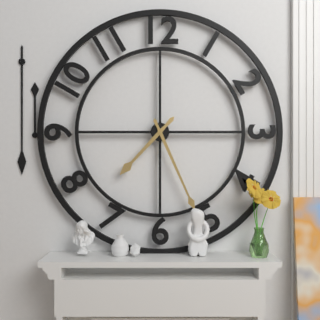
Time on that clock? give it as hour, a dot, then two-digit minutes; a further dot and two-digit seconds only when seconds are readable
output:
7.26
